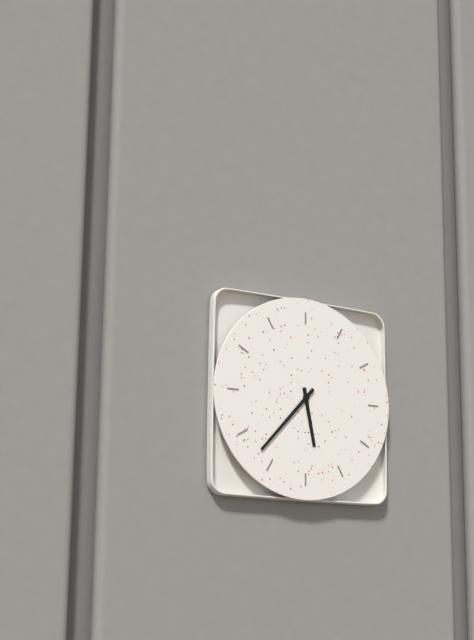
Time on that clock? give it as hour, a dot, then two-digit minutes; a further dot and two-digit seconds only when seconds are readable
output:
5.37
